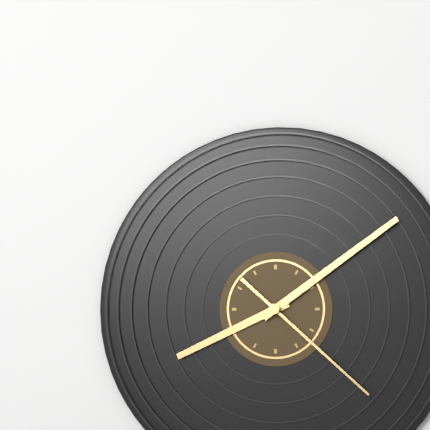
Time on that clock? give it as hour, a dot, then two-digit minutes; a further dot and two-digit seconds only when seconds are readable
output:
8.09.22
